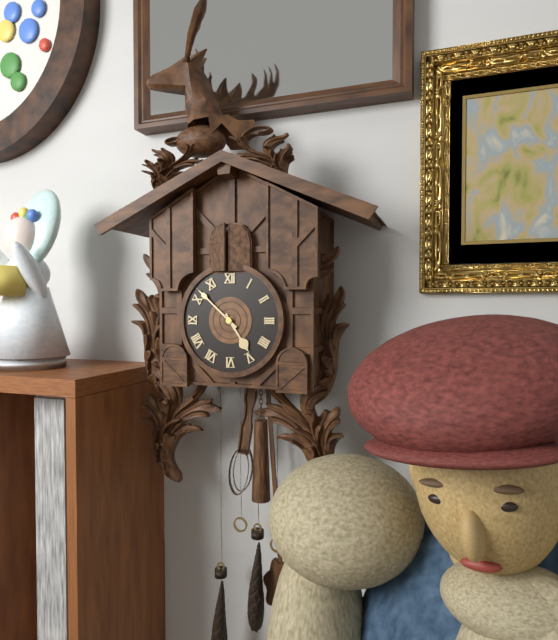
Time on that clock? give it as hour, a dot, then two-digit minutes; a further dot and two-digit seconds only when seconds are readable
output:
4.52
